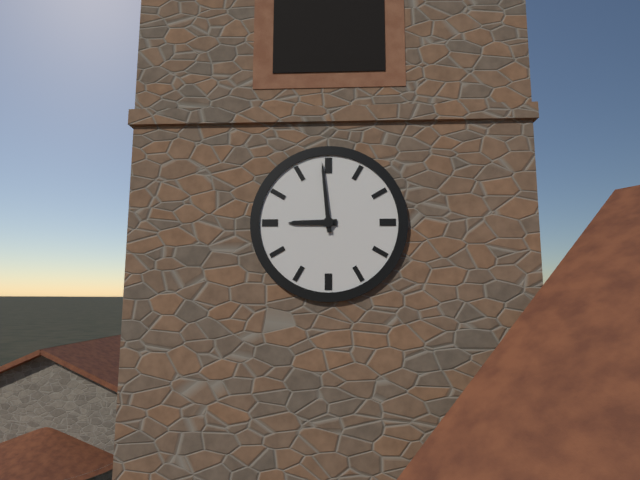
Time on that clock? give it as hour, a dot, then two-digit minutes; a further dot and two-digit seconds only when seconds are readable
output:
8.59
